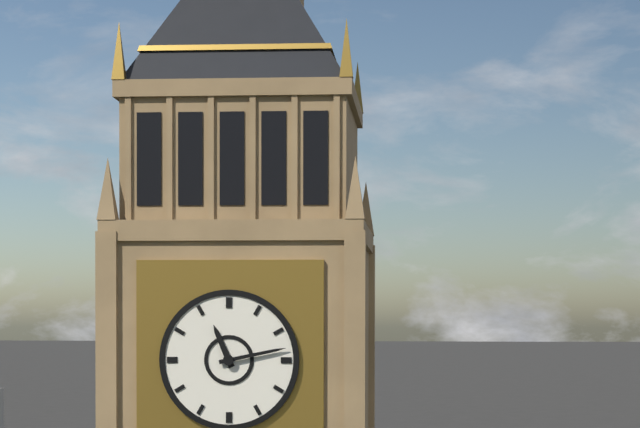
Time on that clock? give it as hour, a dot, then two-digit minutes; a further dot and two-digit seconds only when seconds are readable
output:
11.13
